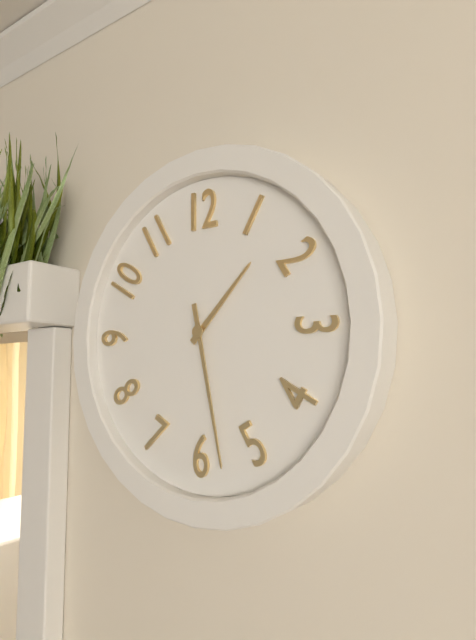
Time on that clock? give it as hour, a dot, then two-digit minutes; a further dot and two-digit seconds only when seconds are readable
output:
1.28
